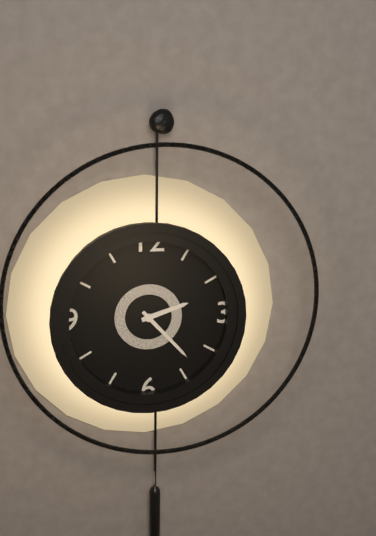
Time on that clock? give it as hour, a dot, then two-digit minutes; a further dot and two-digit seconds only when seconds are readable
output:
2.23
